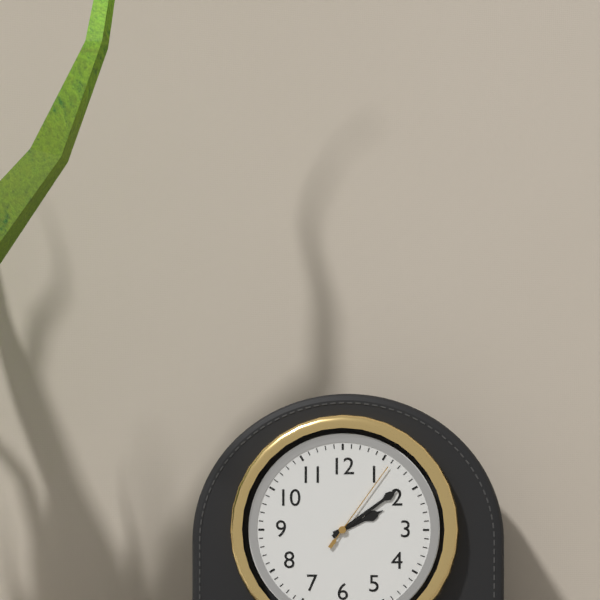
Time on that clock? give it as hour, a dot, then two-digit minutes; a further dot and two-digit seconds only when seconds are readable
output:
2.09.06
